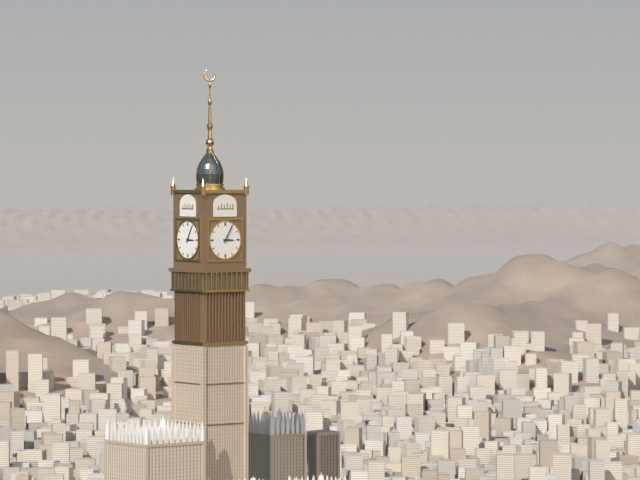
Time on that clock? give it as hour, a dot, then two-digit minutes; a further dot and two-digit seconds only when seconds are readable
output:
3.05
